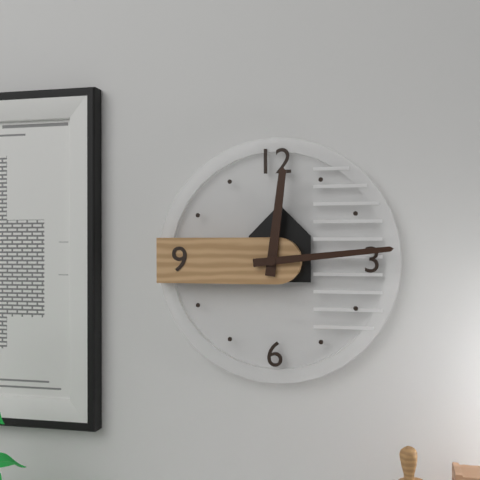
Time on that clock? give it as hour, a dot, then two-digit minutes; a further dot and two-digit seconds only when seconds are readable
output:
12.14
